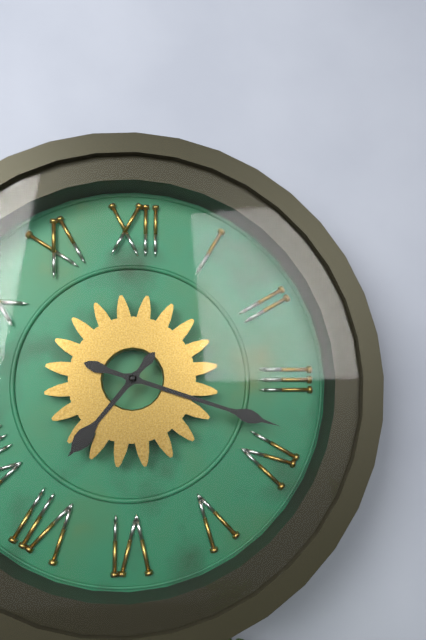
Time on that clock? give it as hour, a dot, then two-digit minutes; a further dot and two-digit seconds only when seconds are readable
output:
7.18
